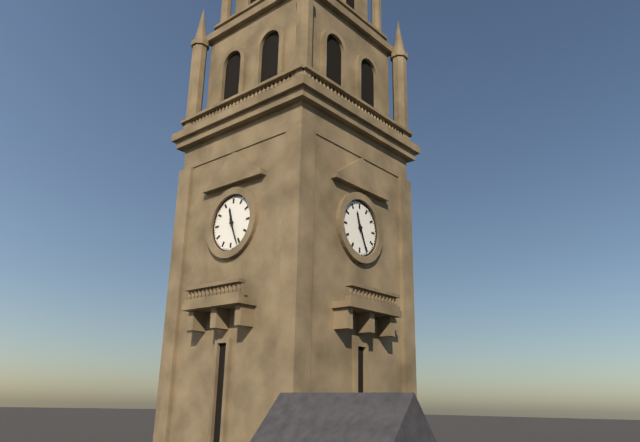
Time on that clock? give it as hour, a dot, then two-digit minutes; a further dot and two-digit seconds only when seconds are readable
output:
11.26
